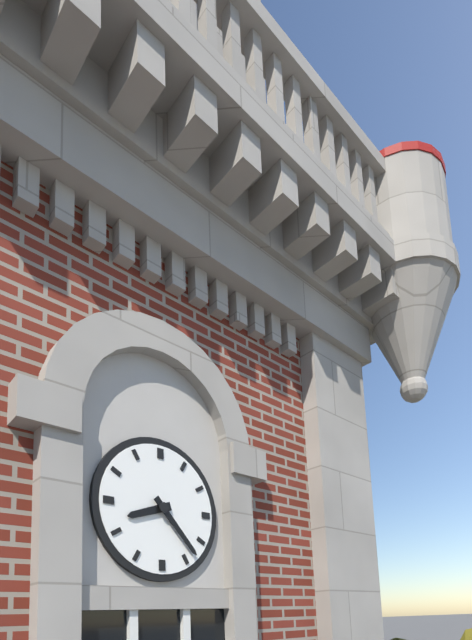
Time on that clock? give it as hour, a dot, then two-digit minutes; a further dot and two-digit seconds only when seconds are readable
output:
8.23
